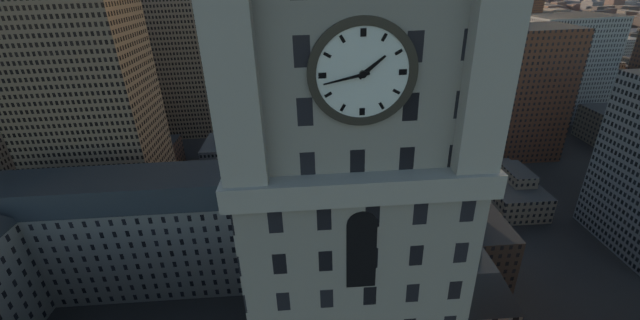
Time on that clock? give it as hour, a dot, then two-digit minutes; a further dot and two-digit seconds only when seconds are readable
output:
1.43
